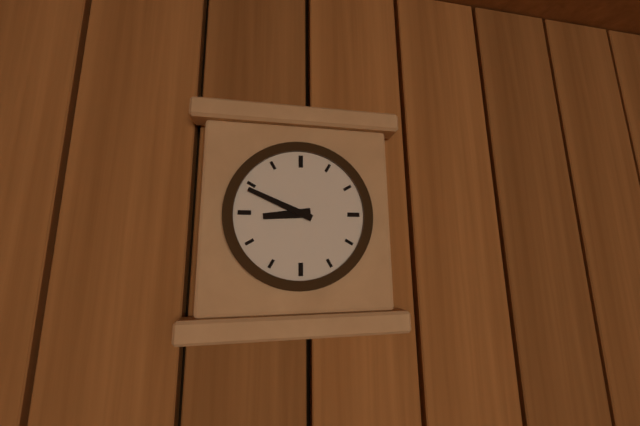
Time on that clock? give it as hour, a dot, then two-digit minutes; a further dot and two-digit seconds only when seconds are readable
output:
8.49
